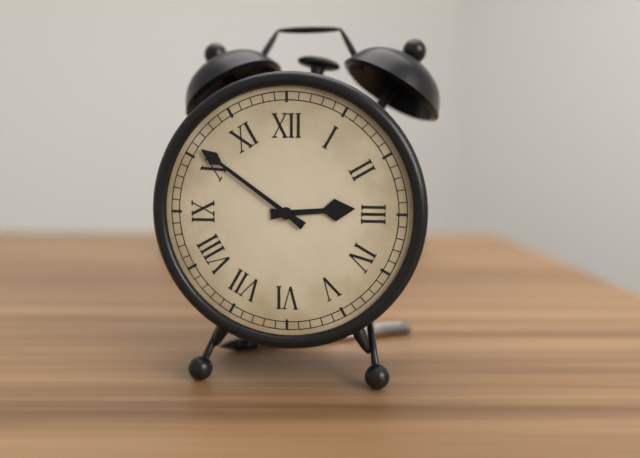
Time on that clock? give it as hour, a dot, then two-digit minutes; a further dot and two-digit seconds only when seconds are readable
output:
2.51
